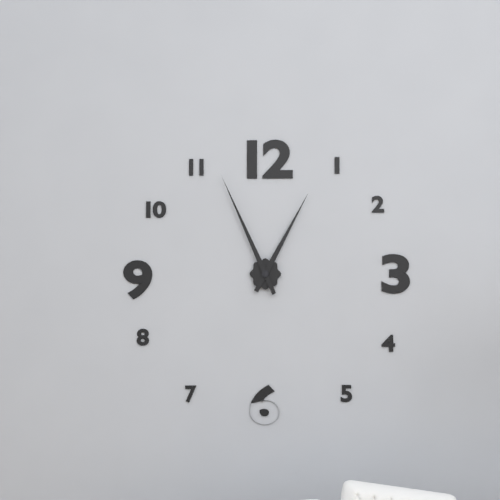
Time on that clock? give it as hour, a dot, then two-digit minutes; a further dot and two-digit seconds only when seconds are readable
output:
12.56
